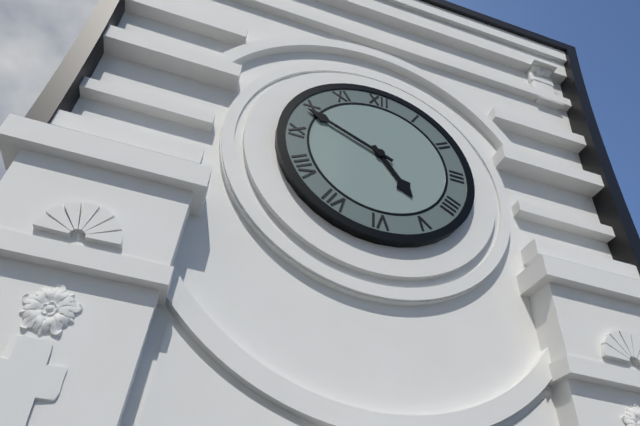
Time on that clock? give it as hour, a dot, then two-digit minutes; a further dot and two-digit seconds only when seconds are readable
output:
4.49
